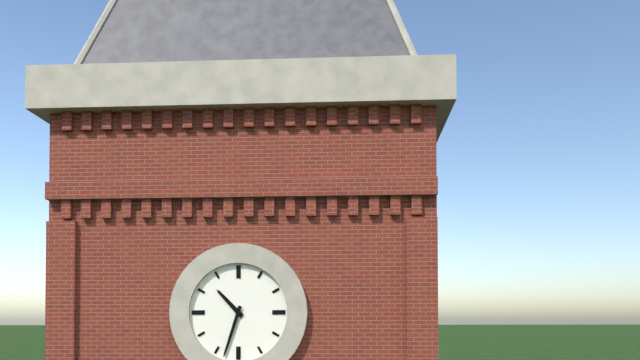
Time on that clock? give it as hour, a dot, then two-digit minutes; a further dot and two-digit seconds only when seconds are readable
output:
10.33
